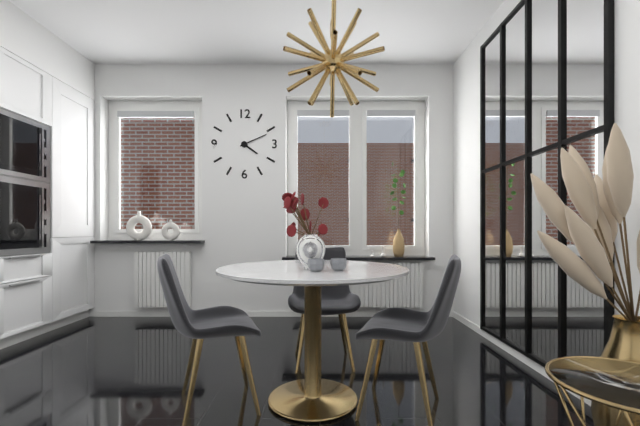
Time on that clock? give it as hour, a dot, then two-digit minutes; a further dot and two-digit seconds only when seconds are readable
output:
4.11
